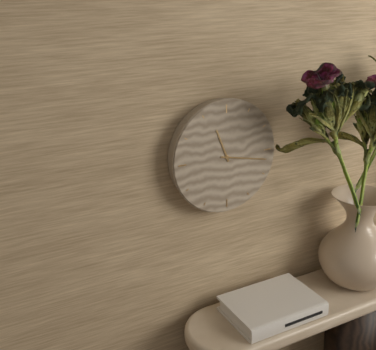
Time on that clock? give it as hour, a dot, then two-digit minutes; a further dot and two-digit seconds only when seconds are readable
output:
11.17
